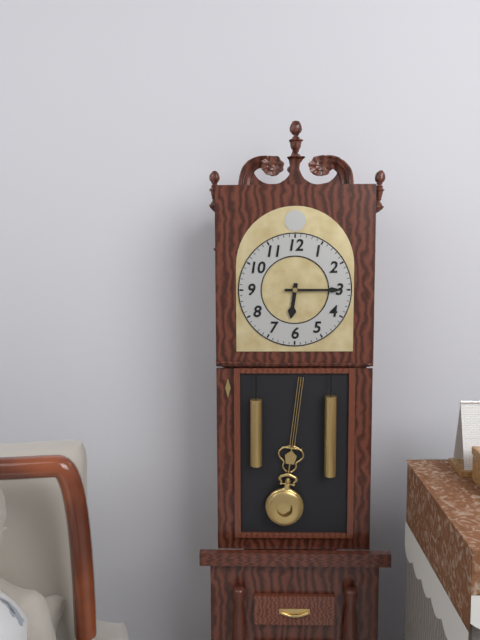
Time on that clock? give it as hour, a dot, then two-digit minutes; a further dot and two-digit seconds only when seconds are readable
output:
6.15
